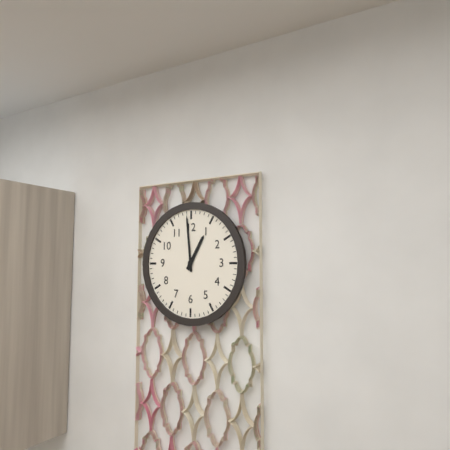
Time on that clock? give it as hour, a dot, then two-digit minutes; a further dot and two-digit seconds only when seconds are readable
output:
12.59
